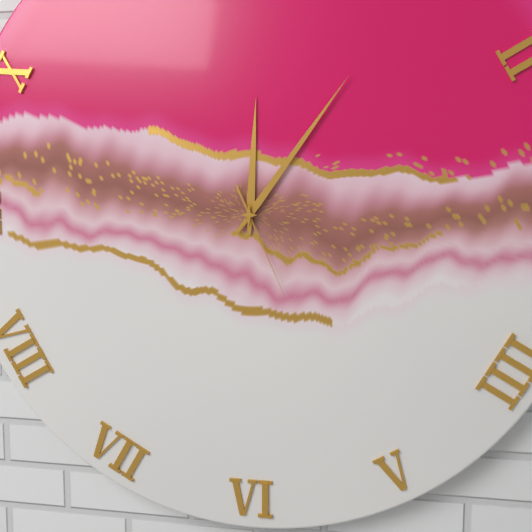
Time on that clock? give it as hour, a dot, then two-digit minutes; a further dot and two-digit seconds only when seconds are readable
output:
12.06.26
